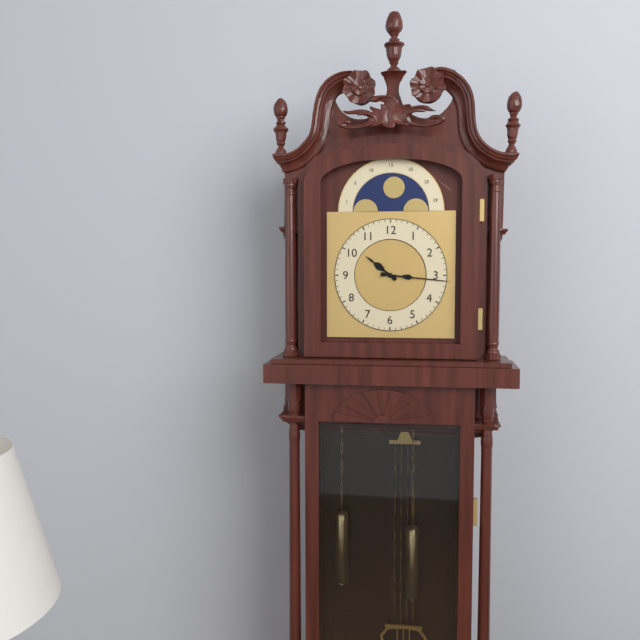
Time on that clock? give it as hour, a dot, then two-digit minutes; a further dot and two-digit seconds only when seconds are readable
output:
10.16
